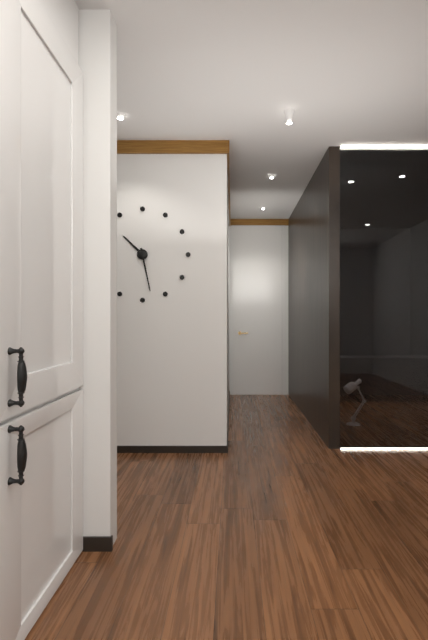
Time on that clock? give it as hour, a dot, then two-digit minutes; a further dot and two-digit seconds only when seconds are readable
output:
10.28
